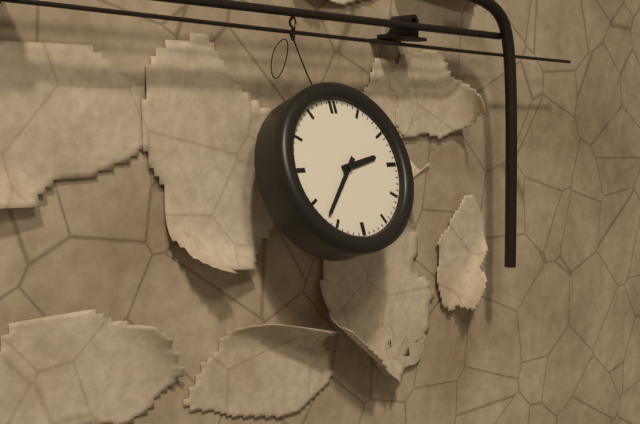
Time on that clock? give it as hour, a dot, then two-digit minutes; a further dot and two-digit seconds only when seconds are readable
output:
2.37
